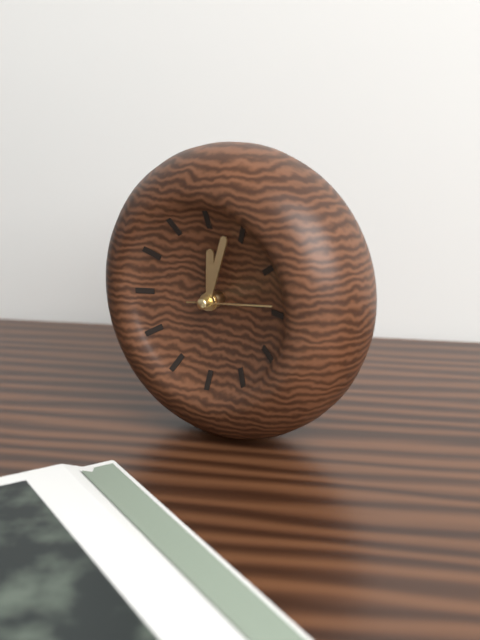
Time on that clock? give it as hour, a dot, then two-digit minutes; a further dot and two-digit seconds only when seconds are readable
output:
12.03.14
